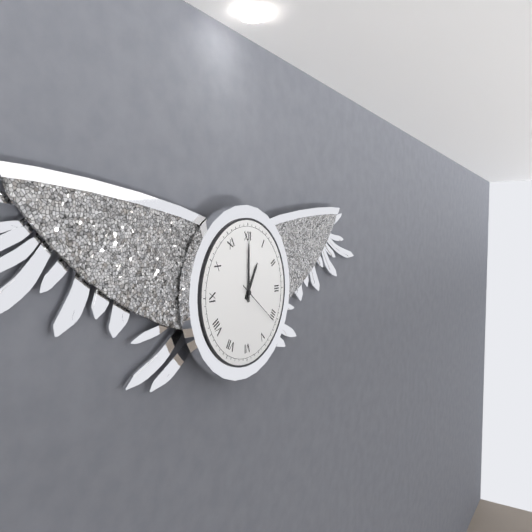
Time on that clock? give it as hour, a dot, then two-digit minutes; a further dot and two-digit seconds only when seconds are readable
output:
1.00.21
